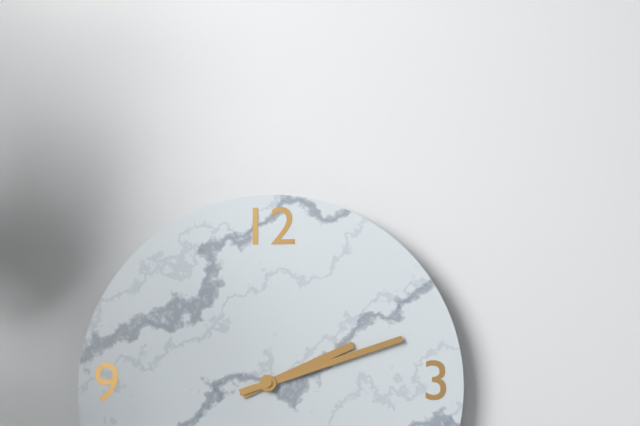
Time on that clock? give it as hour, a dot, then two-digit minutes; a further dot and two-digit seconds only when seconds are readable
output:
2.12
